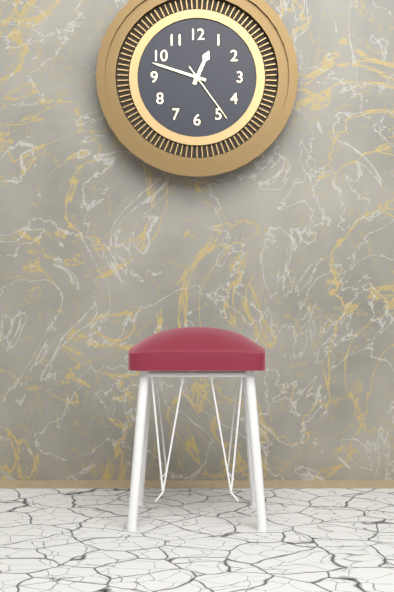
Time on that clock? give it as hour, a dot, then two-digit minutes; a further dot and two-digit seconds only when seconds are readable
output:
12.48.24
